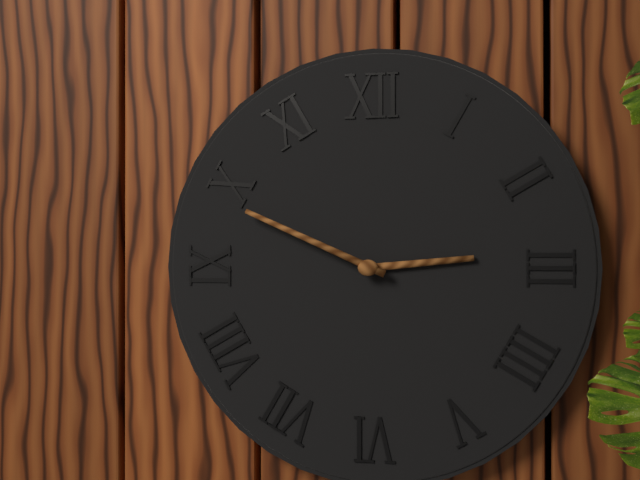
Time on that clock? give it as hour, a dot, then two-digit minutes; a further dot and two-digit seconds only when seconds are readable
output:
2.49
